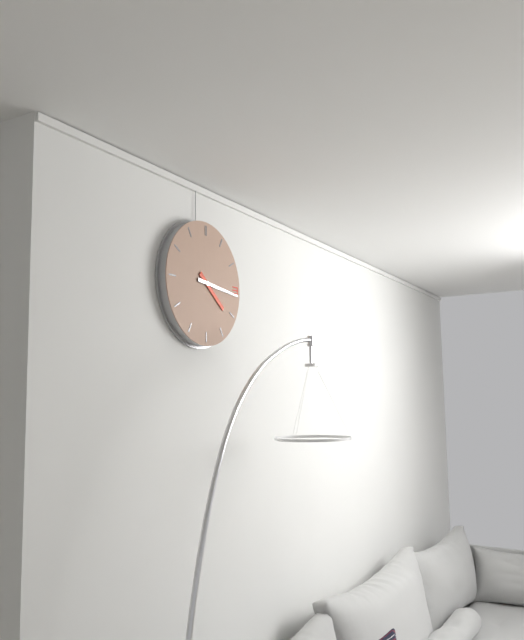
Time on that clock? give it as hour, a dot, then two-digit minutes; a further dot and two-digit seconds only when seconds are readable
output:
4.16
